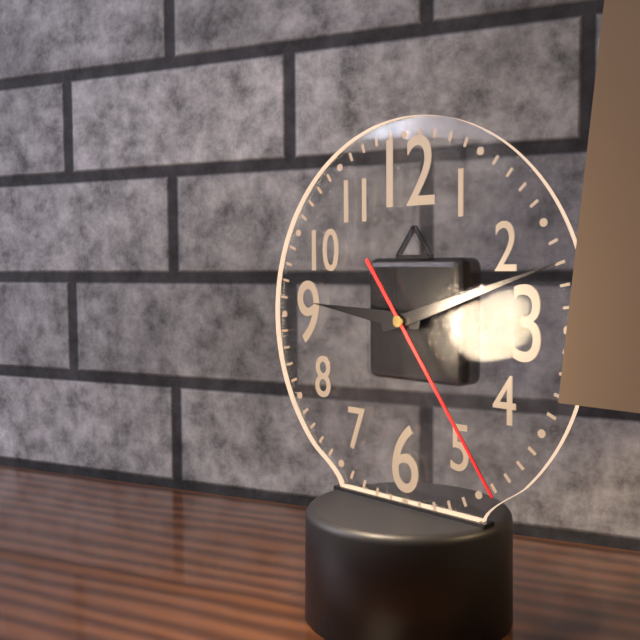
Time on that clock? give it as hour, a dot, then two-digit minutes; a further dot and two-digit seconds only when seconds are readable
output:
9.12.24
